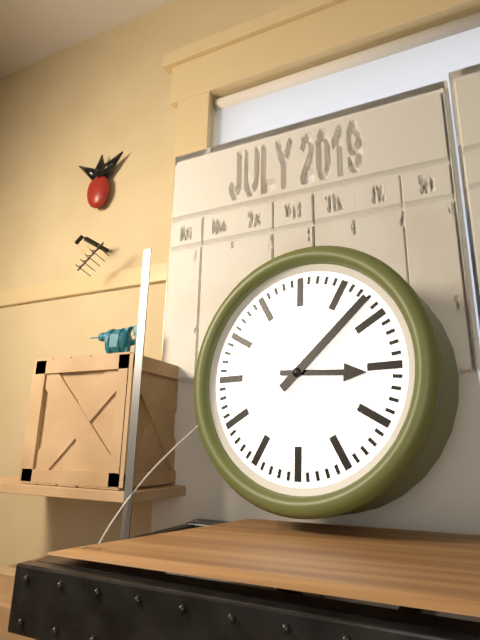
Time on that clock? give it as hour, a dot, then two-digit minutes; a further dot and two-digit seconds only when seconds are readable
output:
3.08
